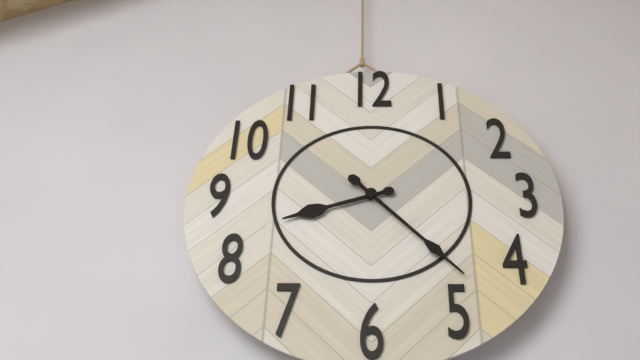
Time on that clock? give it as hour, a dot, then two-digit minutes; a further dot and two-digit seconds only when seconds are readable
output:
8.23
